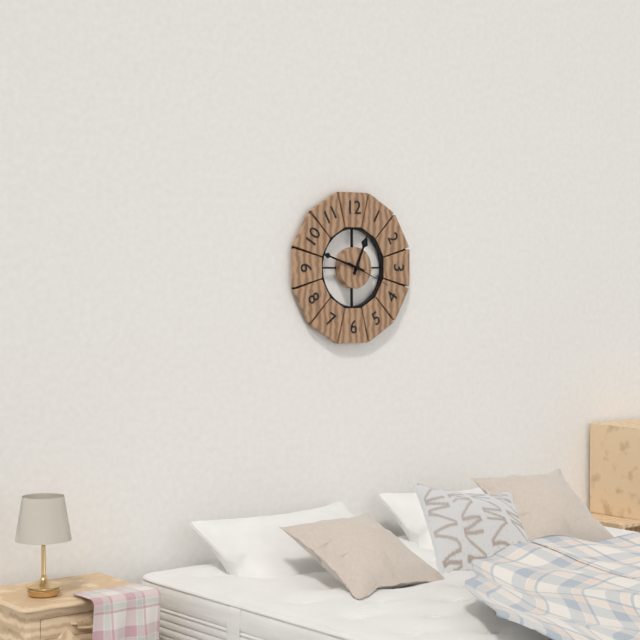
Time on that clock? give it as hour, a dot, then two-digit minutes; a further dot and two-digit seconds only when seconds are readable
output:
12.48
